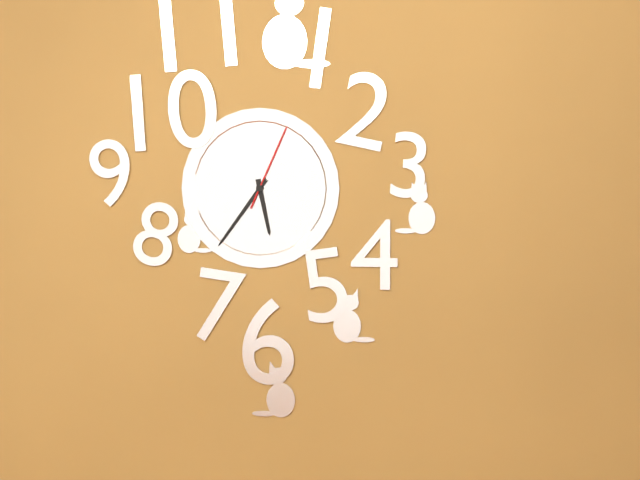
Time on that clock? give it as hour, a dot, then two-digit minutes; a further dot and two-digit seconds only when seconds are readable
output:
5.36.04
